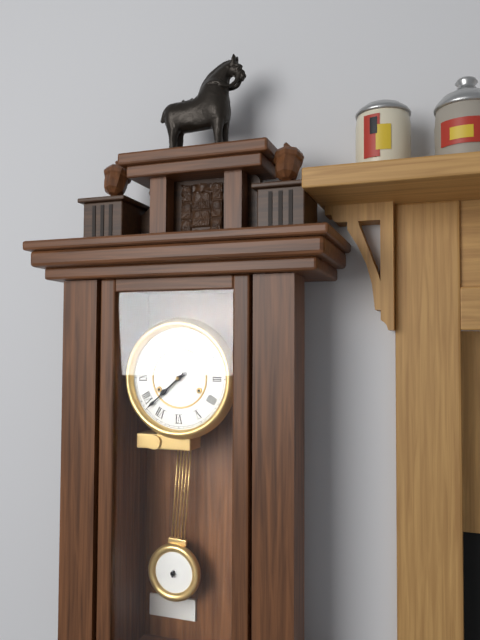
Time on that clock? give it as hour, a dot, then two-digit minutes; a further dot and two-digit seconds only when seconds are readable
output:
7.38
